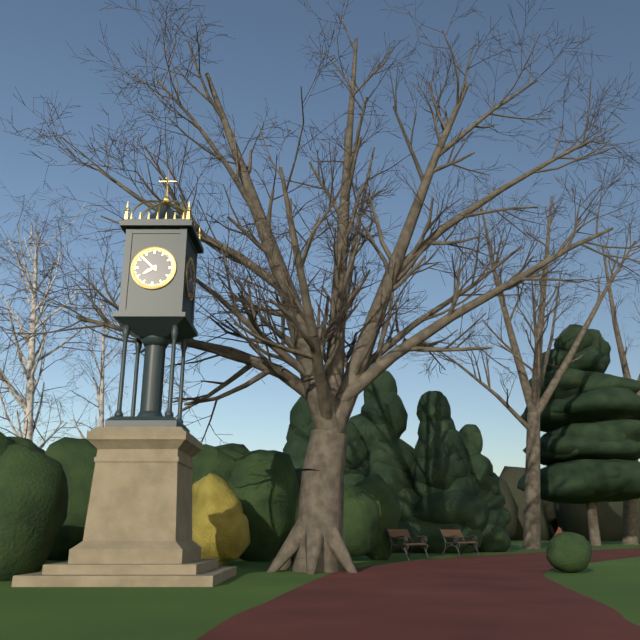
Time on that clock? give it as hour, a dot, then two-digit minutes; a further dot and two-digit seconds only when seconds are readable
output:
7.52
